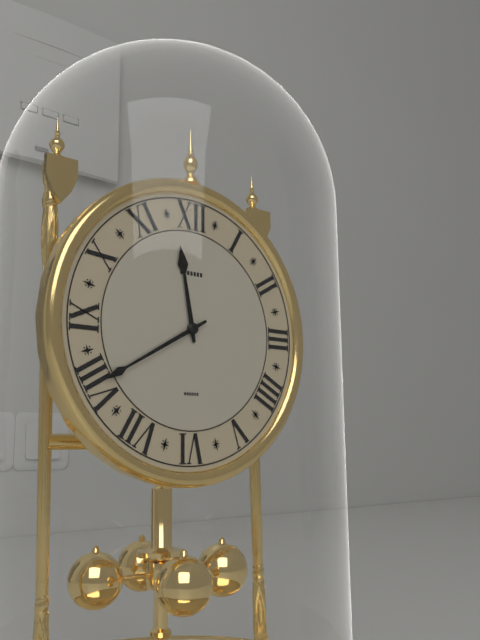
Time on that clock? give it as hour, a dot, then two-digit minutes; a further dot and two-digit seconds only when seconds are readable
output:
11.40
